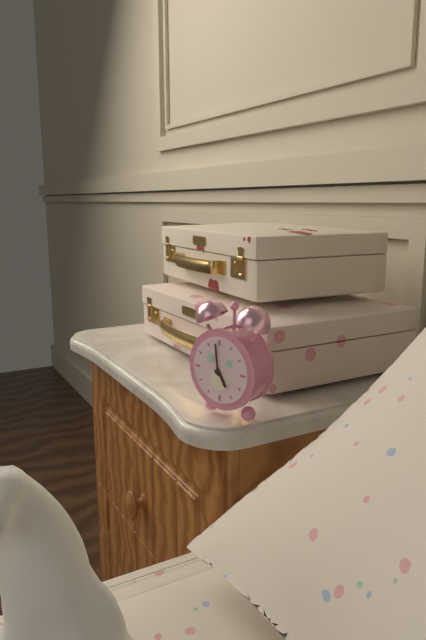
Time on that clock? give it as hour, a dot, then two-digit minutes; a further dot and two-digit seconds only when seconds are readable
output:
4.59
